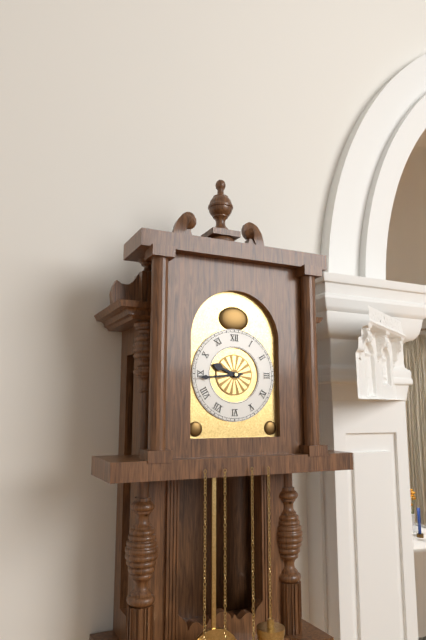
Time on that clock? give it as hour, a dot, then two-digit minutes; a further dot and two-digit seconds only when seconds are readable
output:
9.44
